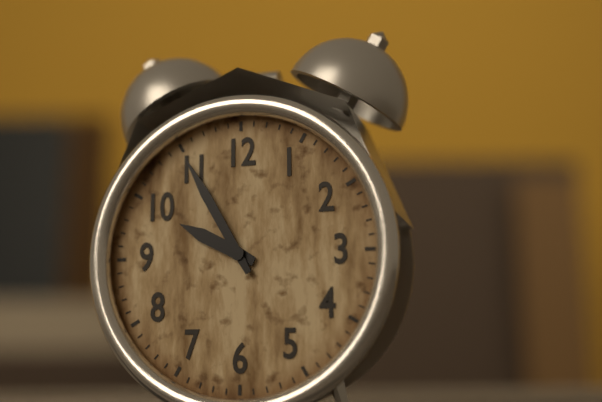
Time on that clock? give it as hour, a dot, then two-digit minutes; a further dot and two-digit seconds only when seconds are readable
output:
9.55
